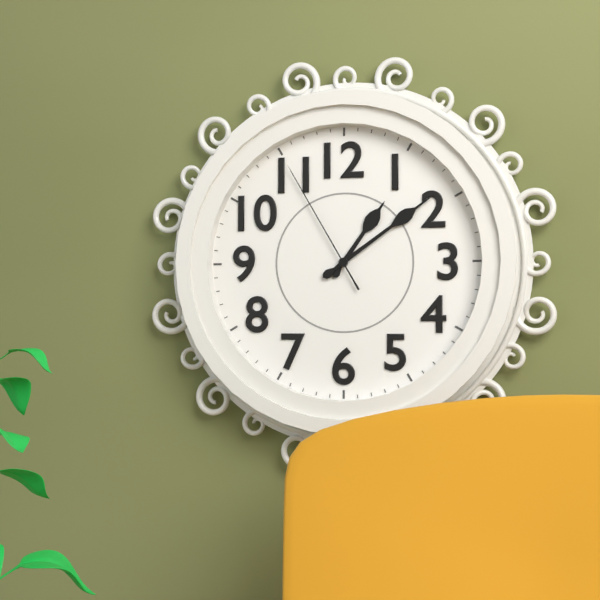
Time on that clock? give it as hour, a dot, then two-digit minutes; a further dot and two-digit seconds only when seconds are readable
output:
1.09.55
